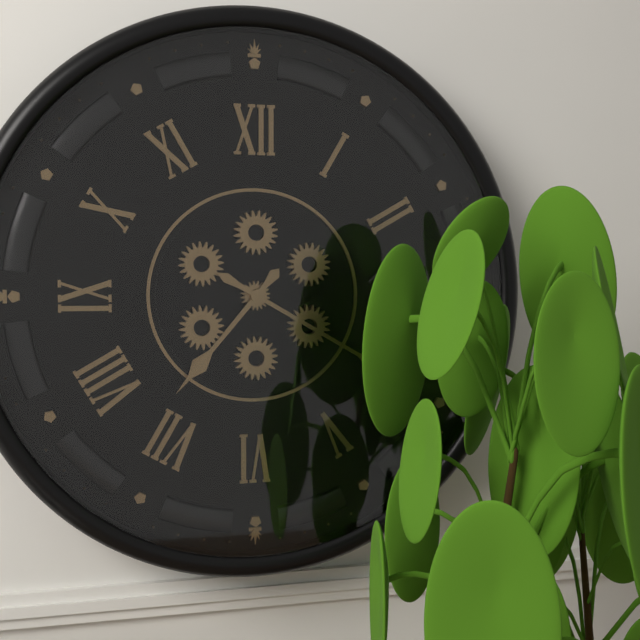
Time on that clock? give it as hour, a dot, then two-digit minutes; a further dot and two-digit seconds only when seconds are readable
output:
7.20
